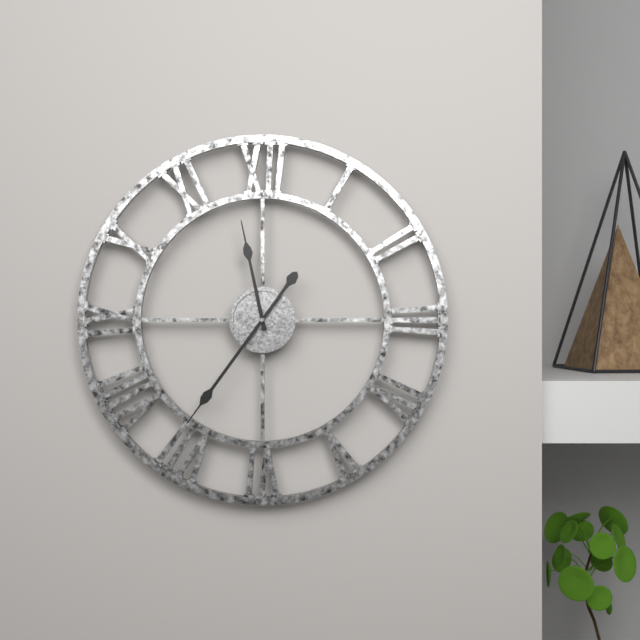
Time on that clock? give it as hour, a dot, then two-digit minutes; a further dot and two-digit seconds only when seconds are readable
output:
11.36
